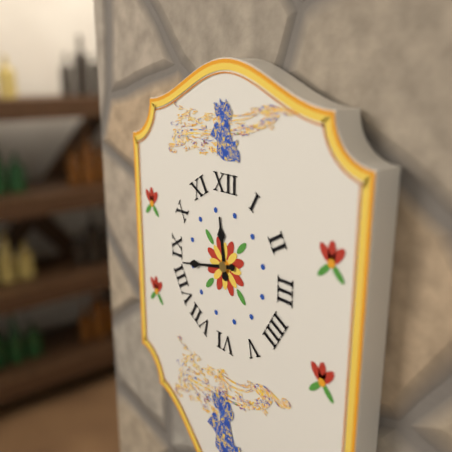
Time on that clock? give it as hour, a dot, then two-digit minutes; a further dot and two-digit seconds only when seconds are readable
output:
11.43
